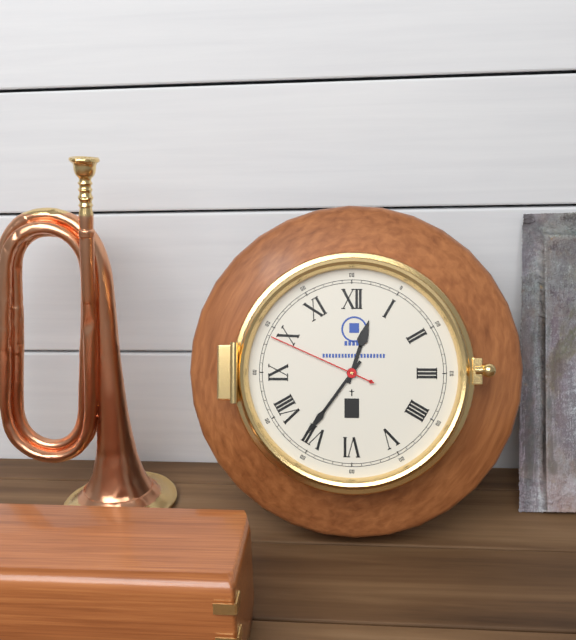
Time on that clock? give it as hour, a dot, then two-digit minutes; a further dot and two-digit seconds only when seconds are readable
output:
12.36.49
